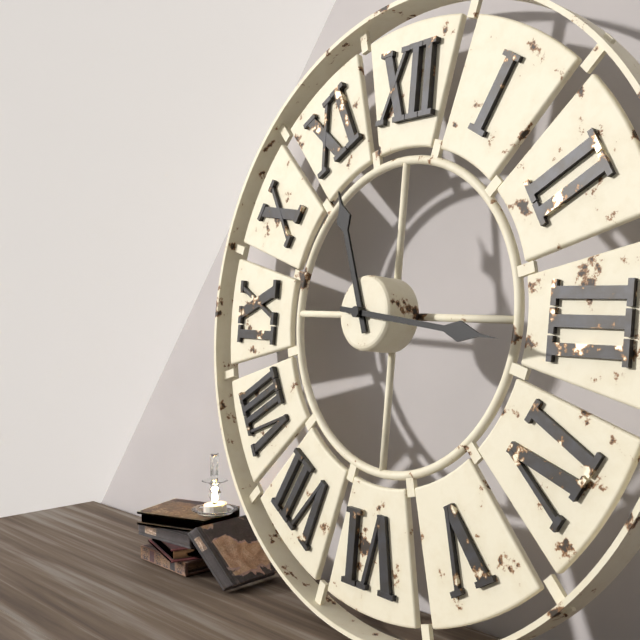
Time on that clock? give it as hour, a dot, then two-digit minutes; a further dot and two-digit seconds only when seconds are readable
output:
11.16
